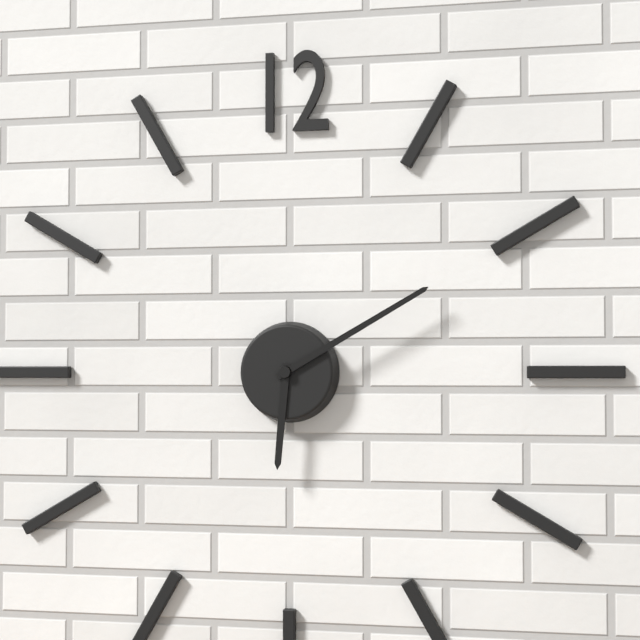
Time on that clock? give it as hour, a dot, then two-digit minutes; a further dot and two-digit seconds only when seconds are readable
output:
6.10
